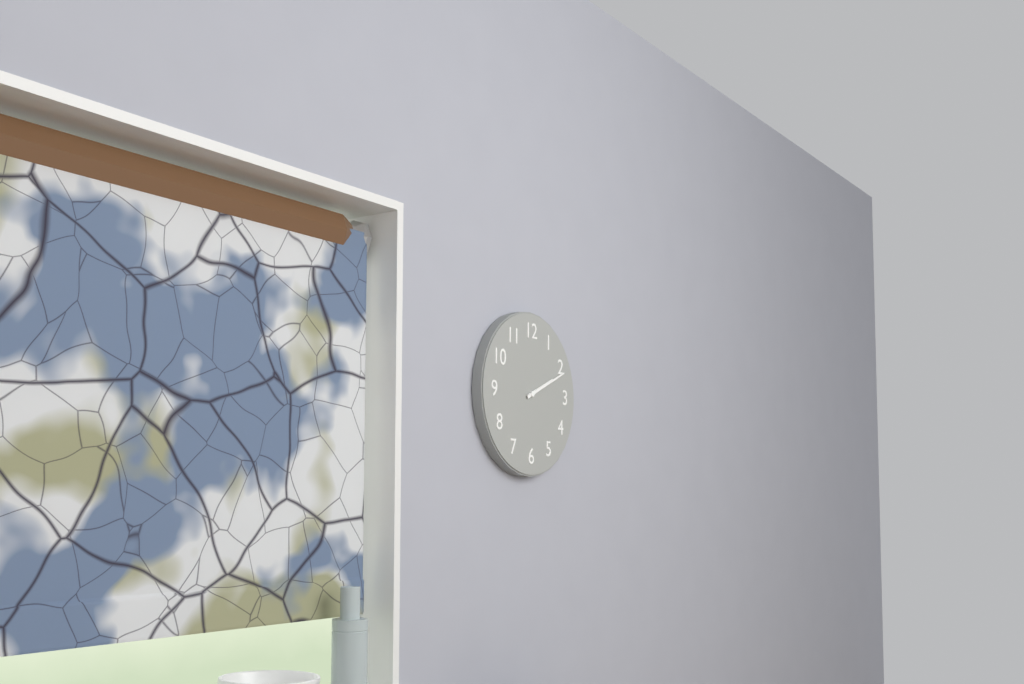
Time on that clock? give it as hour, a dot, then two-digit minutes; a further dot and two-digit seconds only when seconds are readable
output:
2.11
